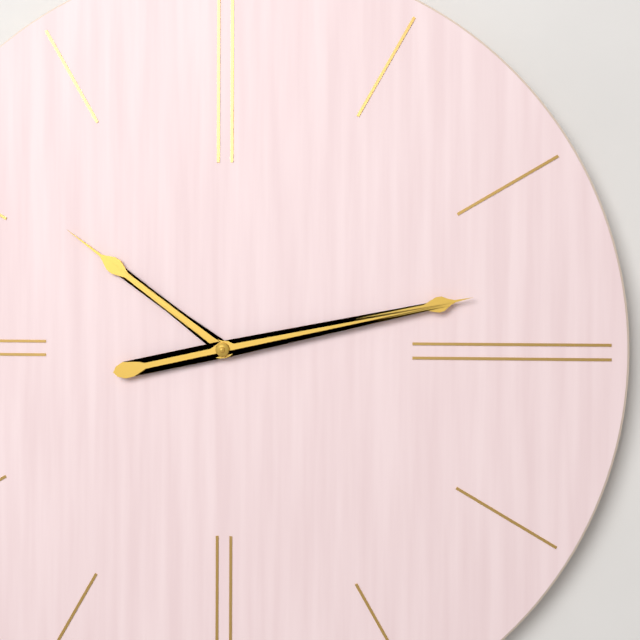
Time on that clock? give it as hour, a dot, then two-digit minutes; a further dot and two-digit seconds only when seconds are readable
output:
10.13
